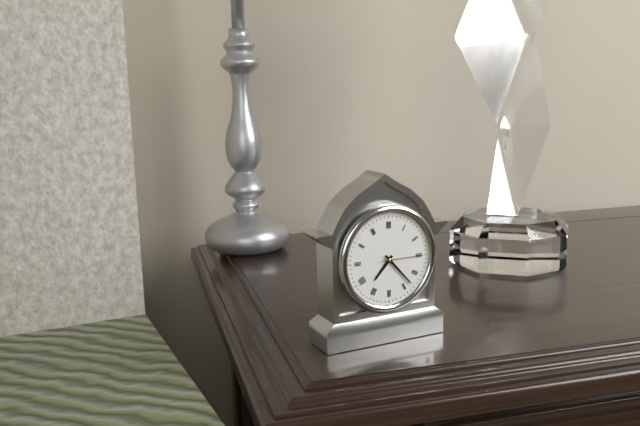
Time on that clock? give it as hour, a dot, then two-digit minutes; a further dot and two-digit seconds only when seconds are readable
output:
7.23
